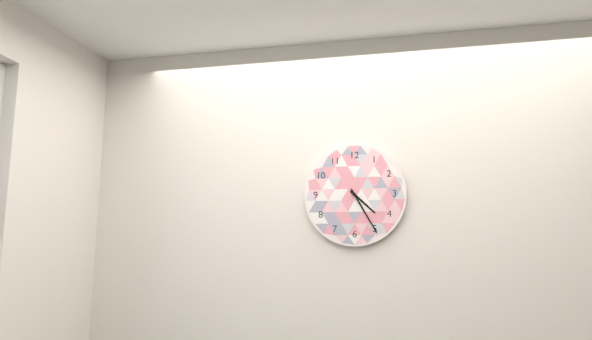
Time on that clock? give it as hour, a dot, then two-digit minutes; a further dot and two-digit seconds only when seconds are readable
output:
4.25
